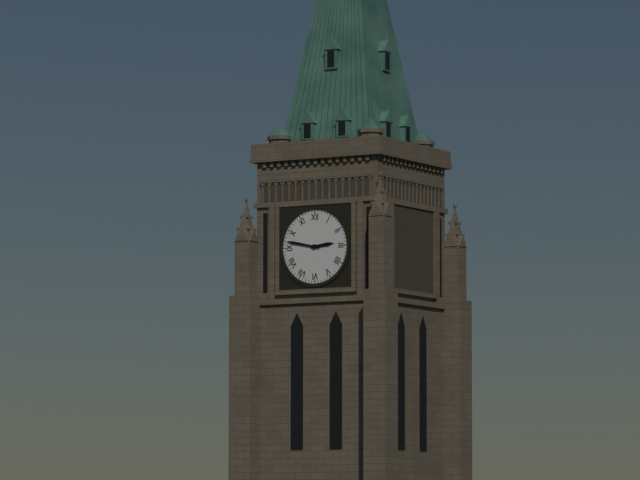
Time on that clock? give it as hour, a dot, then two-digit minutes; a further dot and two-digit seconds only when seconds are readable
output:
2.47
